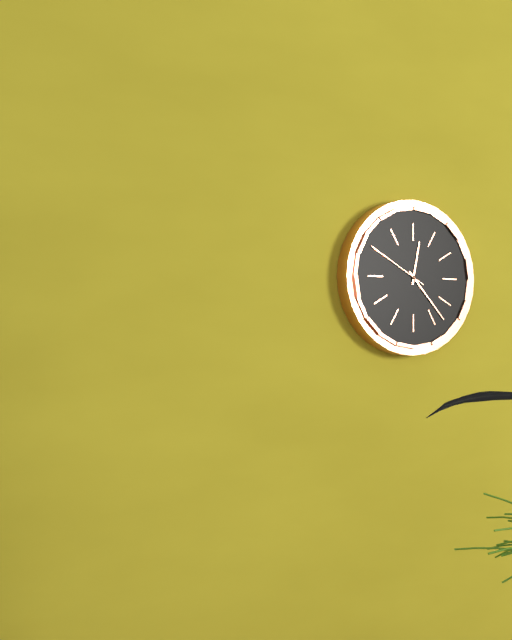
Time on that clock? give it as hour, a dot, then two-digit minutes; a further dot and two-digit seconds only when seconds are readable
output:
12.23.50
